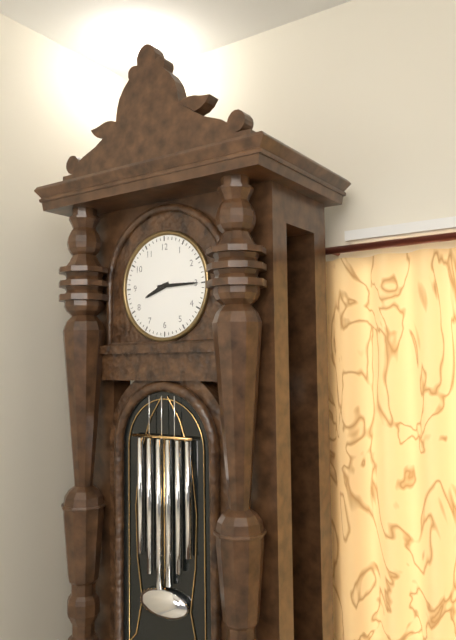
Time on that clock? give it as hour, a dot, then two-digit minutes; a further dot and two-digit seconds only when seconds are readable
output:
8.15
